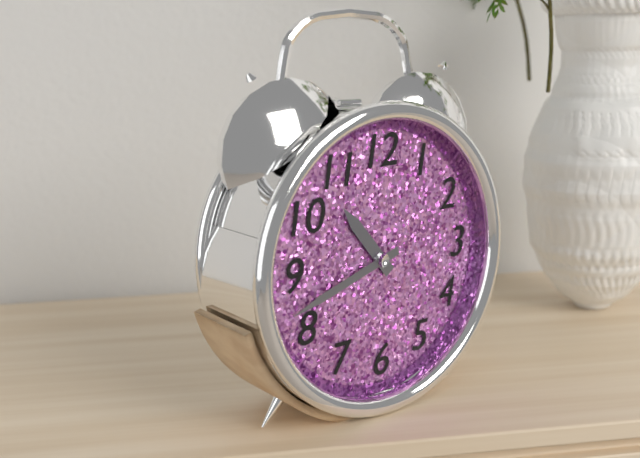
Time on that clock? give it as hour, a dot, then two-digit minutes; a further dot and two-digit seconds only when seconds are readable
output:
10.42
